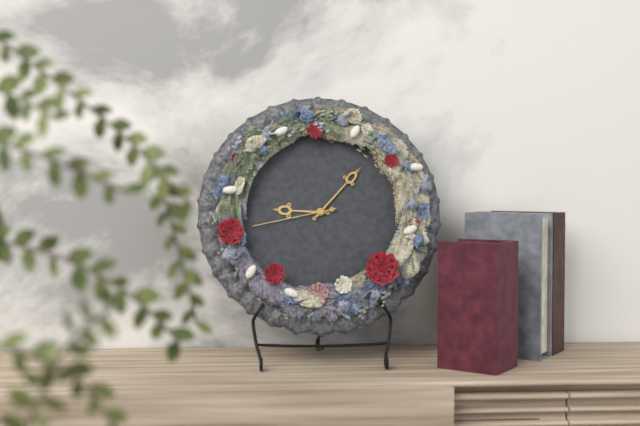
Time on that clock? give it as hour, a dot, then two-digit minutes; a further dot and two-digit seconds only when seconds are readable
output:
9.07.43
